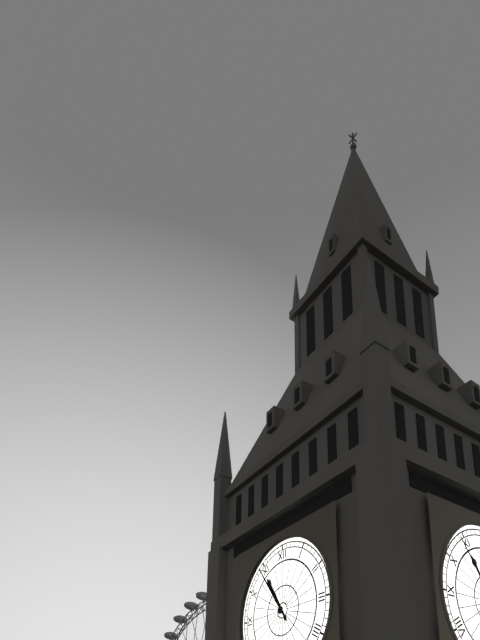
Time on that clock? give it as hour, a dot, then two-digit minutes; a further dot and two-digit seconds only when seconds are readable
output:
10.54
